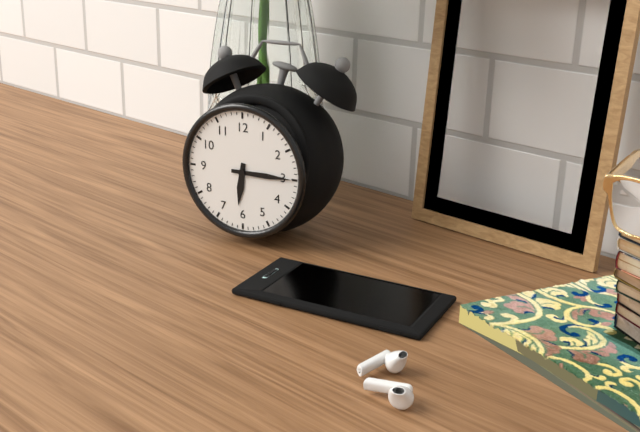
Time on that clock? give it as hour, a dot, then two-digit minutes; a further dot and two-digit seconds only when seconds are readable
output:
6.15
